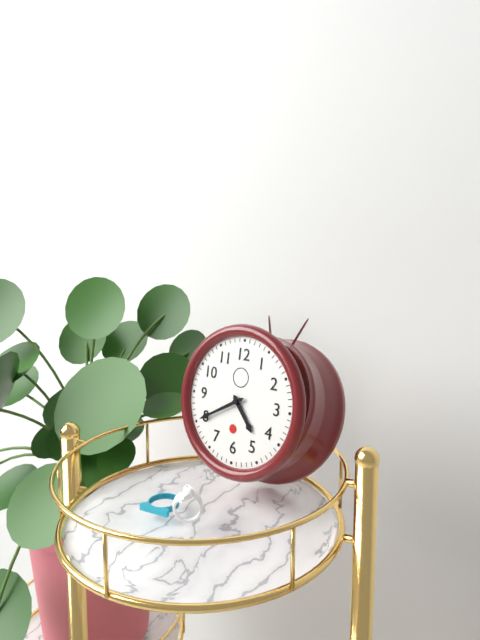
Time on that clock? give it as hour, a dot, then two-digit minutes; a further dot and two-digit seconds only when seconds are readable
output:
4.40
